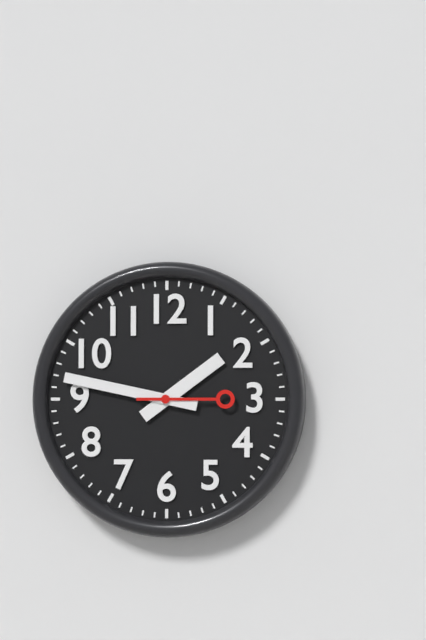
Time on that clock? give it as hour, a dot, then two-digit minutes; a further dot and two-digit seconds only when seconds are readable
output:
1.47.15
